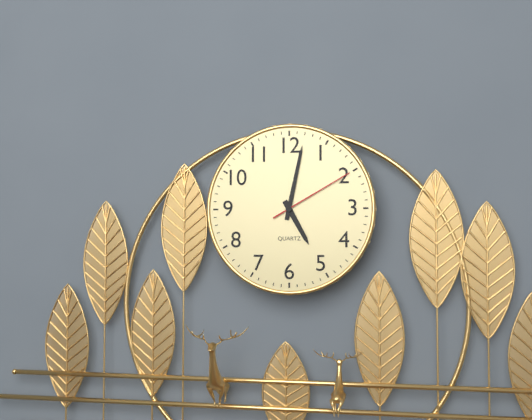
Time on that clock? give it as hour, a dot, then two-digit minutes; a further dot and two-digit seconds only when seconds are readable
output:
5.02.10
